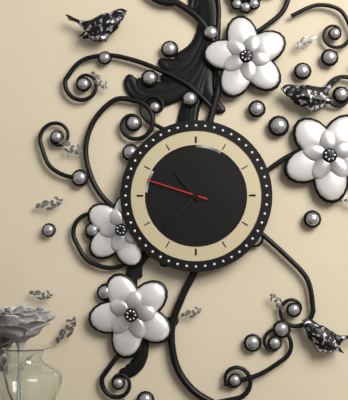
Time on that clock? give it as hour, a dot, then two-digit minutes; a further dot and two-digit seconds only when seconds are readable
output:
10.37.48
